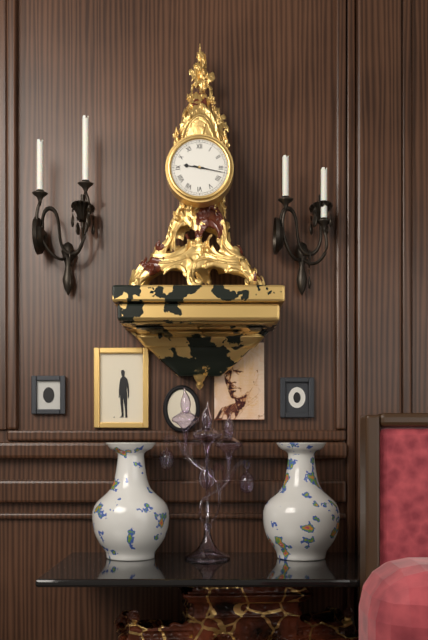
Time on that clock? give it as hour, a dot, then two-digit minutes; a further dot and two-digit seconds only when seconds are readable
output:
9.17
